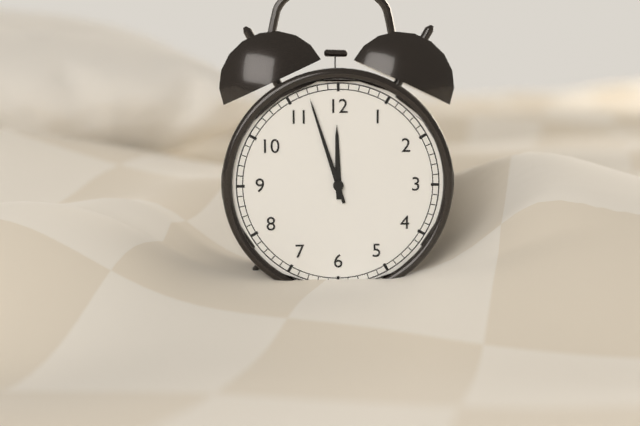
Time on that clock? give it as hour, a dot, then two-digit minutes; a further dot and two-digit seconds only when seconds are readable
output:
11.57
